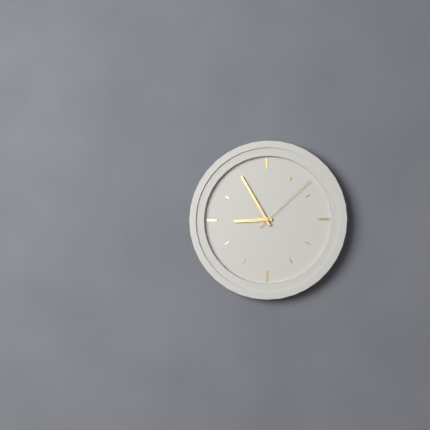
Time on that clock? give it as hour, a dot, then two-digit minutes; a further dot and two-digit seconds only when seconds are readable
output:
8.55.08
